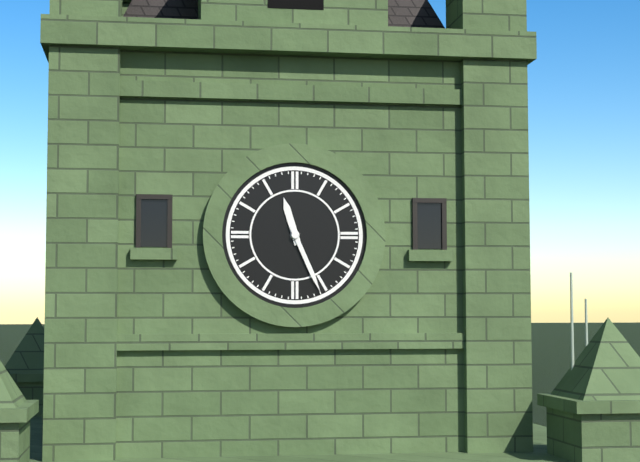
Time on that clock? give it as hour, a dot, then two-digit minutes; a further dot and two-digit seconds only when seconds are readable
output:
11.26
